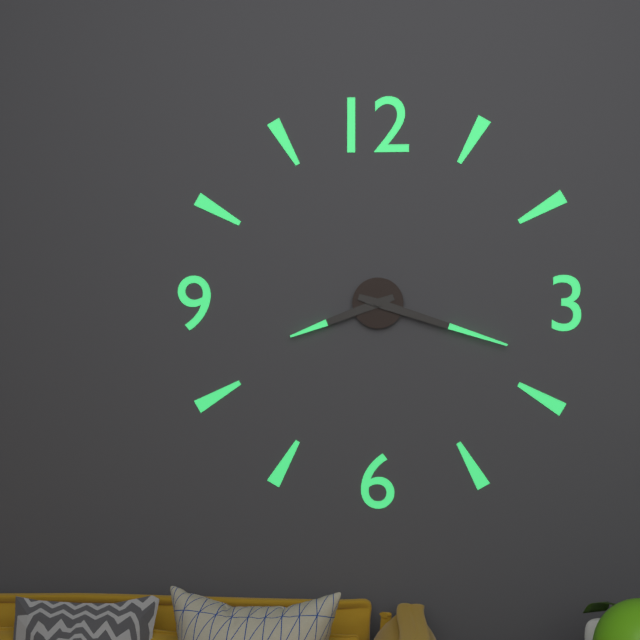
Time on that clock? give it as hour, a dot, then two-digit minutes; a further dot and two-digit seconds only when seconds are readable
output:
8.18
